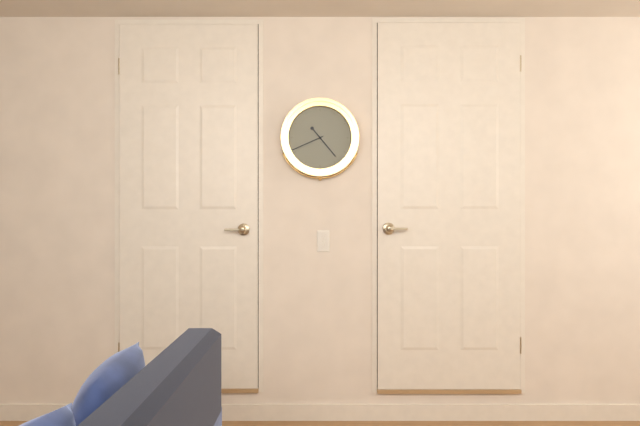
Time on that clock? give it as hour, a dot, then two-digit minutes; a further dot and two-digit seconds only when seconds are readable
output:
4.41
